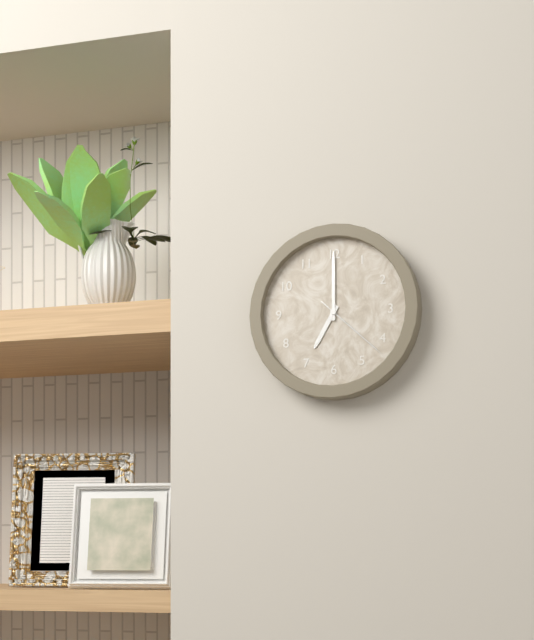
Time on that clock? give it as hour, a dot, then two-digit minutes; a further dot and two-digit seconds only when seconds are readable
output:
7.00.22
